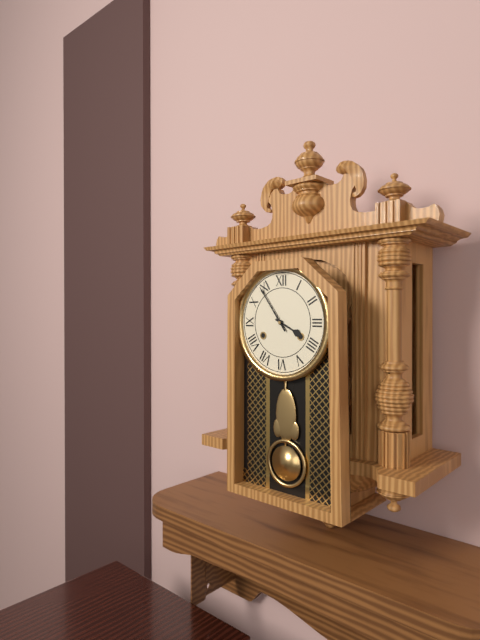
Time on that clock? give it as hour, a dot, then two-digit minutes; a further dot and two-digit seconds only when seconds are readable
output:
3.54
